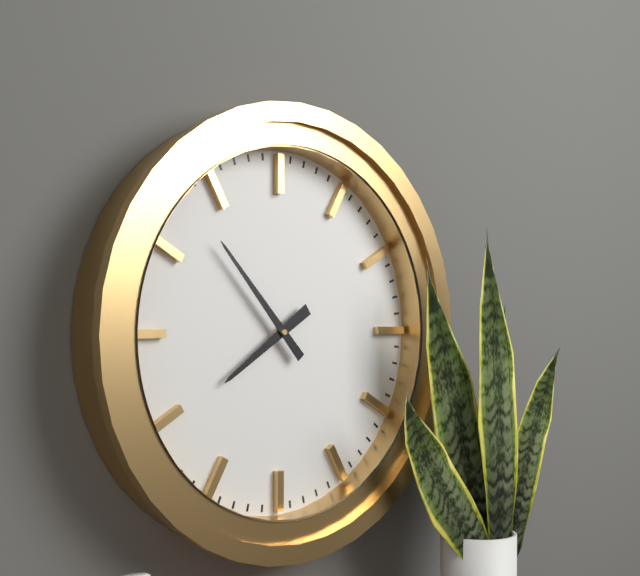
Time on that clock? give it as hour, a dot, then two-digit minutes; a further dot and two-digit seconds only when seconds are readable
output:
7.53
